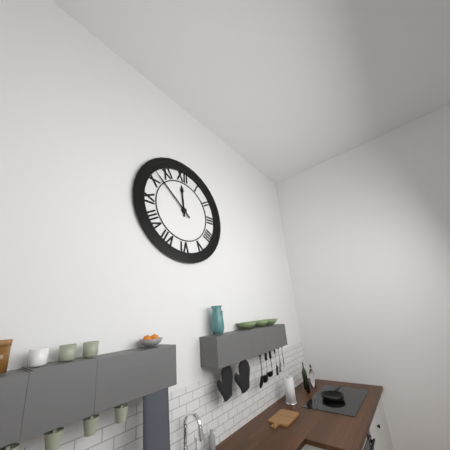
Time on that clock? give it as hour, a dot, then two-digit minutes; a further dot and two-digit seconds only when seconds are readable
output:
11.52
